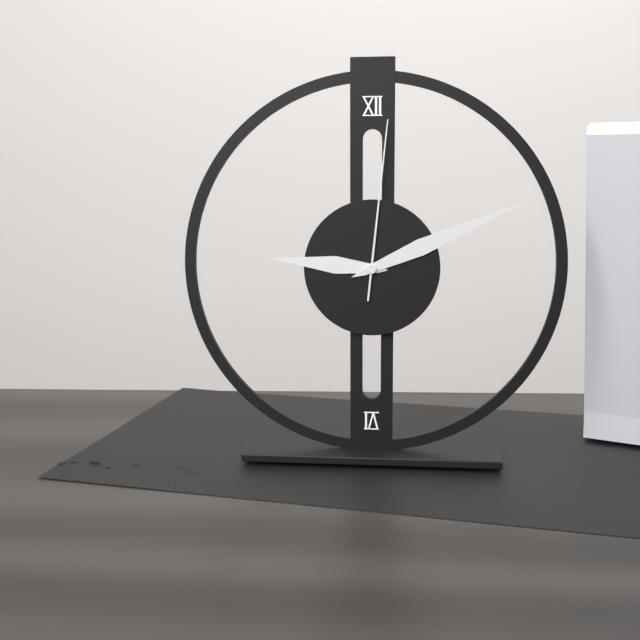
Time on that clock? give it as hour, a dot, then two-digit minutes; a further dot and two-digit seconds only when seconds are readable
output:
9.11.01
